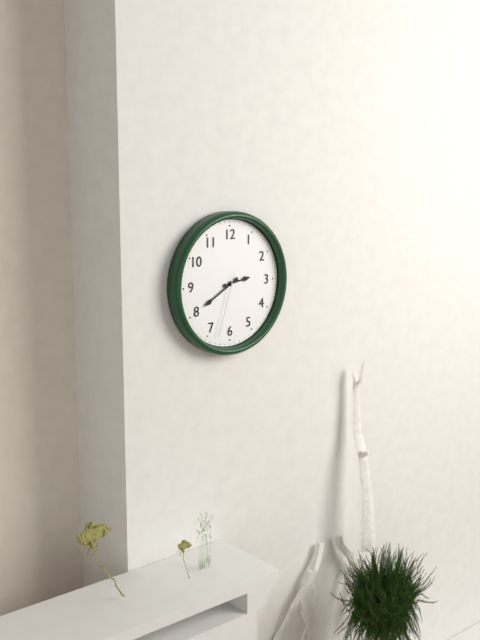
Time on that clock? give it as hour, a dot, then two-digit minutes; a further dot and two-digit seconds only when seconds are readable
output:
2.40.33
